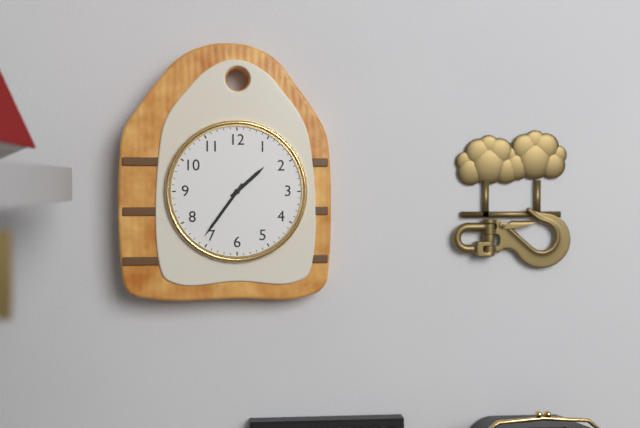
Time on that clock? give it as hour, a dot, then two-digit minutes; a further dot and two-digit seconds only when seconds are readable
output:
1.36
